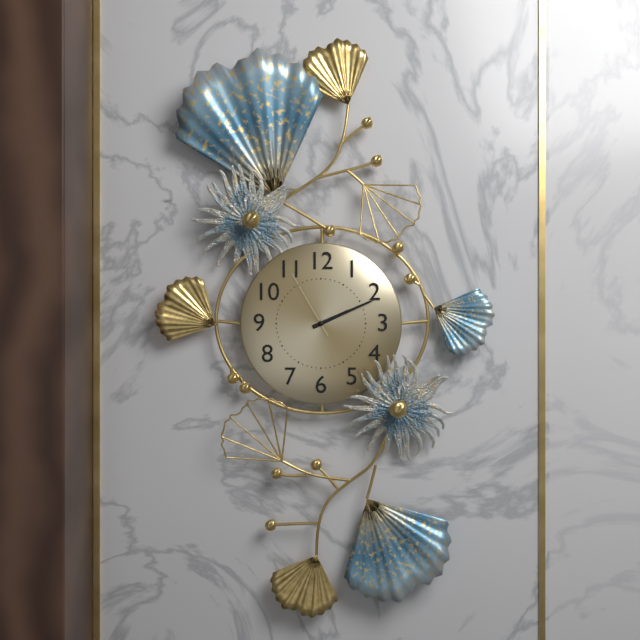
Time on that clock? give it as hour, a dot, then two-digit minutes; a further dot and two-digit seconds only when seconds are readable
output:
2.11.55
